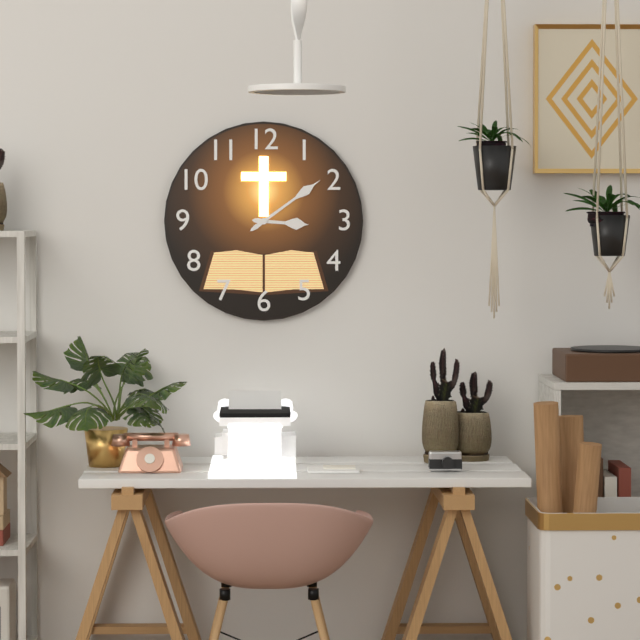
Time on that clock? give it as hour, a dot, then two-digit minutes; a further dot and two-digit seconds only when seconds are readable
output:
3.09
